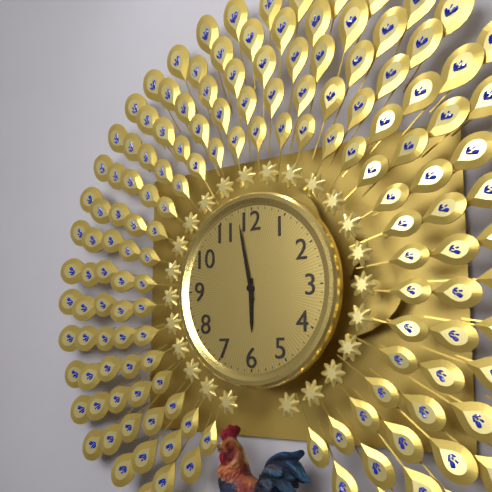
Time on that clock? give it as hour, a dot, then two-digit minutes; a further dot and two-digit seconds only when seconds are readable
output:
5.58
